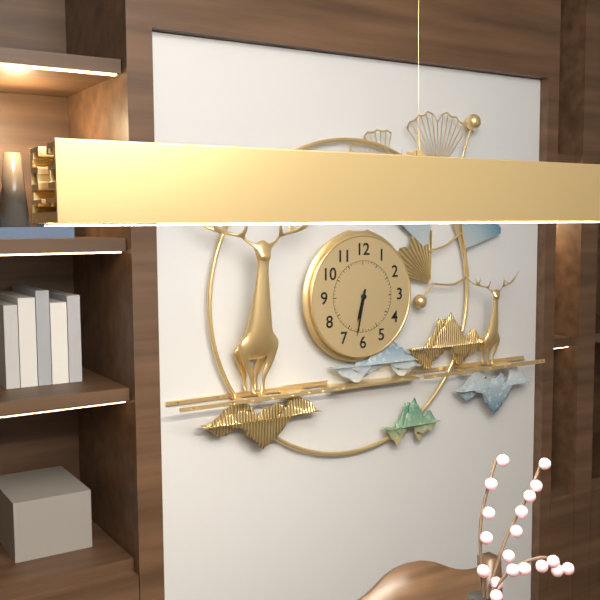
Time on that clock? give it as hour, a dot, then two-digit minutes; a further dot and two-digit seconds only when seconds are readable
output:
6.32
